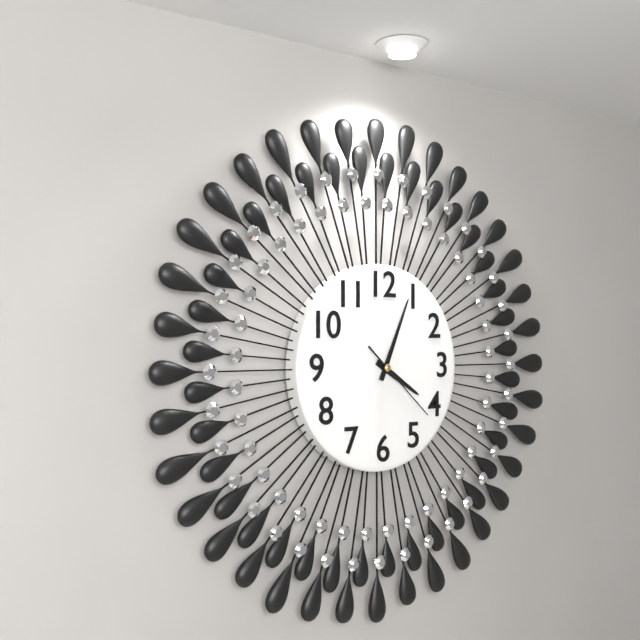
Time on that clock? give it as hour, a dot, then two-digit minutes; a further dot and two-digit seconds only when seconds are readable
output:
4.04.22
